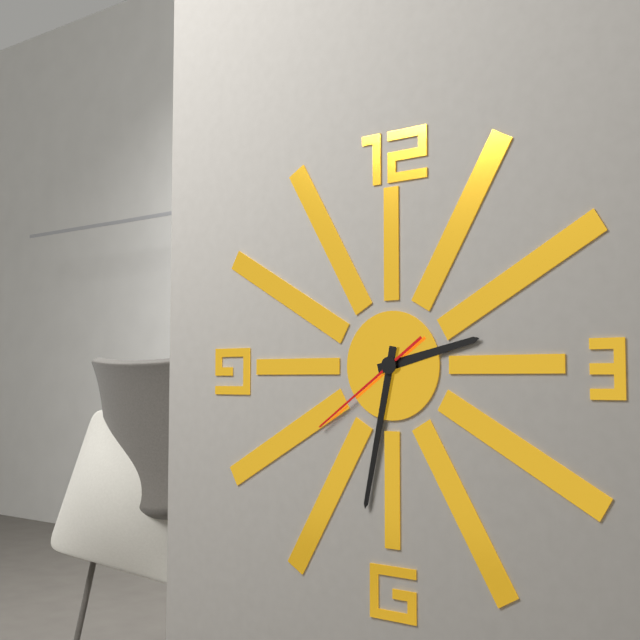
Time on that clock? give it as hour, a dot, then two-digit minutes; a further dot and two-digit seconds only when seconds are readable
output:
2.32.39
